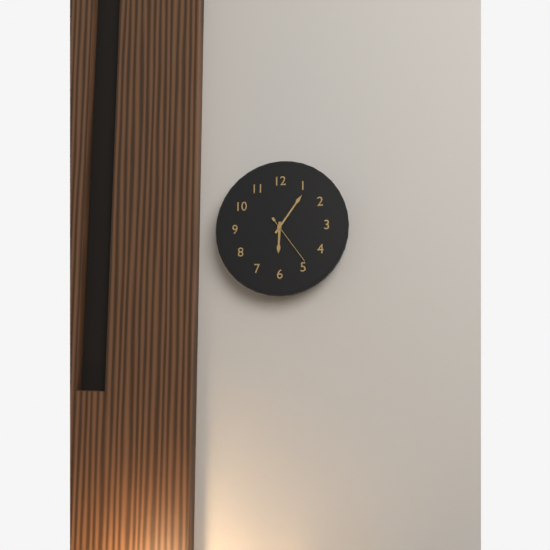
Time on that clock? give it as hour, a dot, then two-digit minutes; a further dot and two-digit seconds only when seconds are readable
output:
6.06.24
